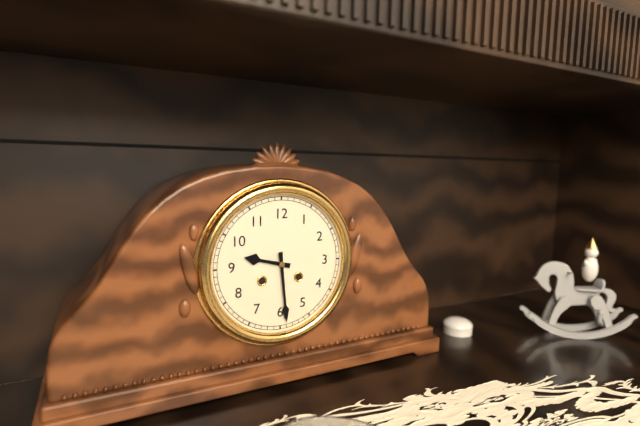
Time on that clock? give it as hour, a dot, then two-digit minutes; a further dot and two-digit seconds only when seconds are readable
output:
9.29
